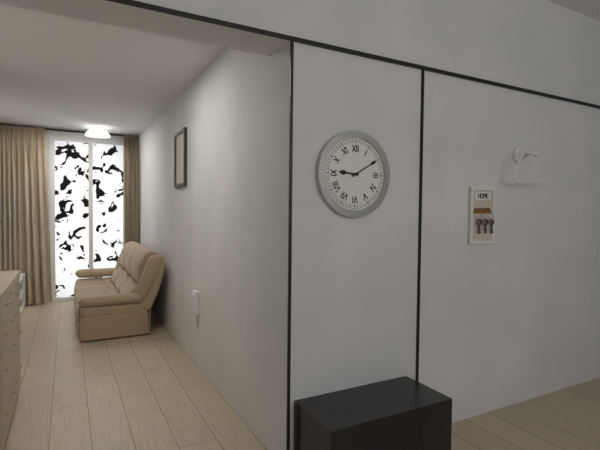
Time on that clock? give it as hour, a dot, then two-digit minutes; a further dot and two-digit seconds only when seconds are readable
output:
9.10
